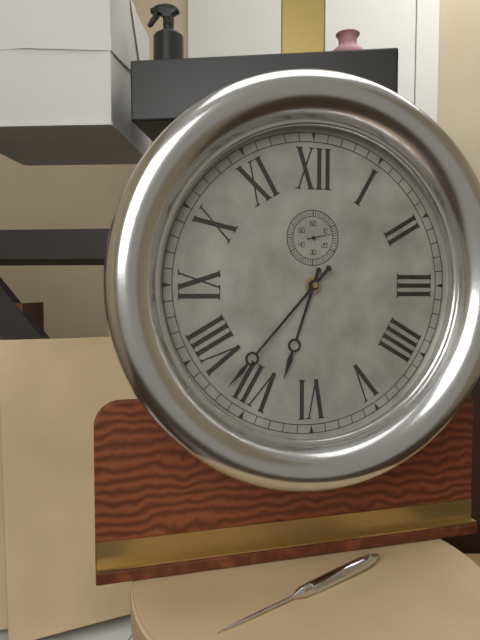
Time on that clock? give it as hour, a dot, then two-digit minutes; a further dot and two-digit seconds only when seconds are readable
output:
6.37
